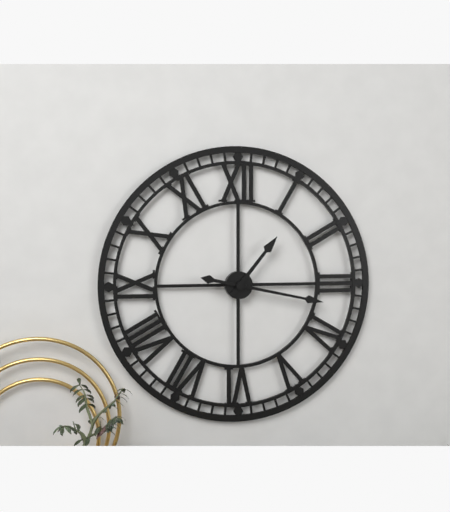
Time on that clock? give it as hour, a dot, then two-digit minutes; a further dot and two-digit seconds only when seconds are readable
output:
1.17
